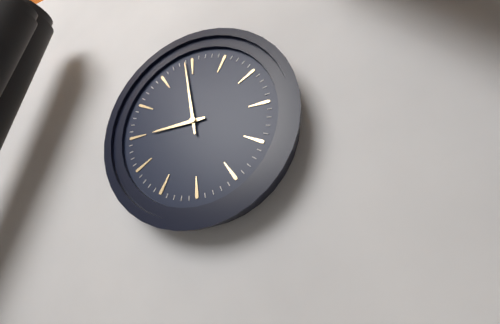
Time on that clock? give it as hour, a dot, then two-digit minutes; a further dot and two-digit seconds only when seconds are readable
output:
8.59
